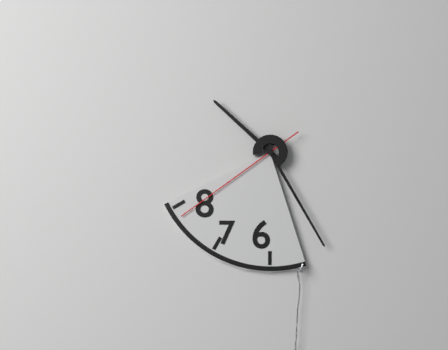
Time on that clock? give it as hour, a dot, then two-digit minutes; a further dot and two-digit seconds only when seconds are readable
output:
10.25.39
